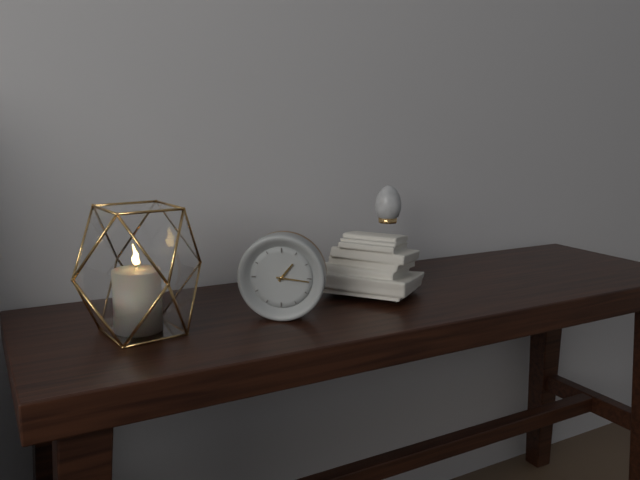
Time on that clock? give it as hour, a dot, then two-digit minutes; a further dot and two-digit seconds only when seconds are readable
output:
1.16
